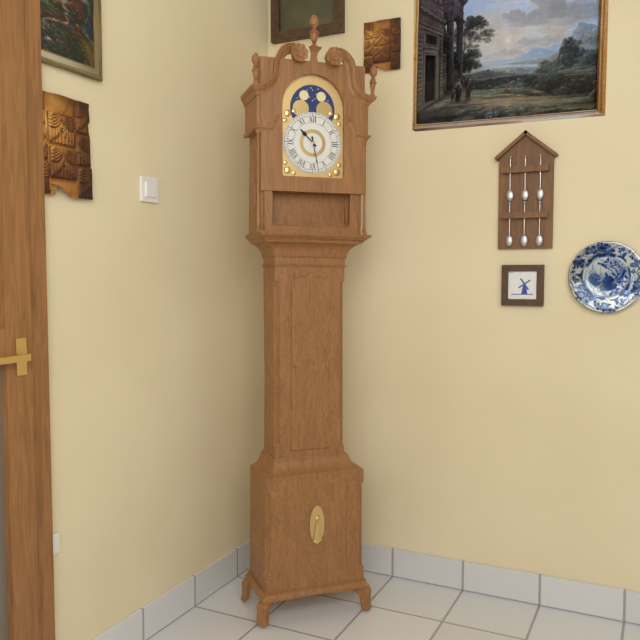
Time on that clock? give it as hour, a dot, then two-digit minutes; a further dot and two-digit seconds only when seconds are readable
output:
10.28
